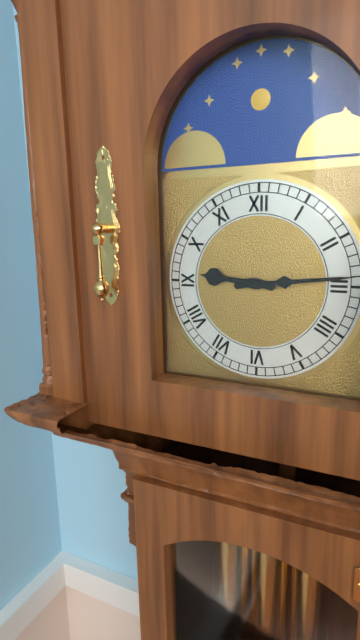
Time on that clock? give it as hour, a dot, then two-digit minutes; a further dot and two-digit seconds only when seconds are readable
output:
9.14
